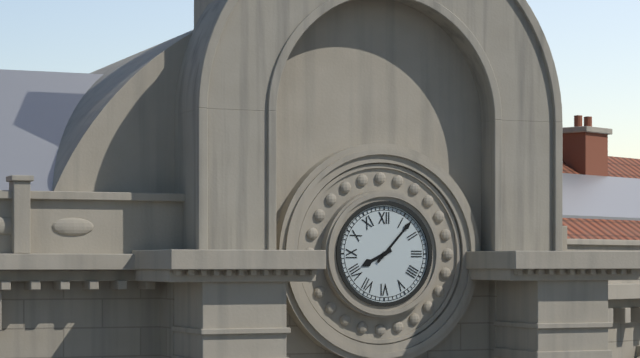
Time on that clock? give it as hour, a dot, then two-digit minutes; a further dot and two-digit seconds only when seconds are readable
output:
8.07
